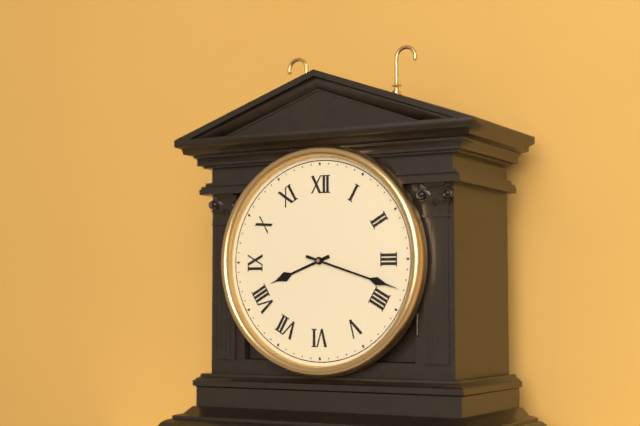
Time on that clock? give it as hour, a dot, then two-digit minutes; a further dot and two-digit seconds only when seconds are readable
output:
8.18
